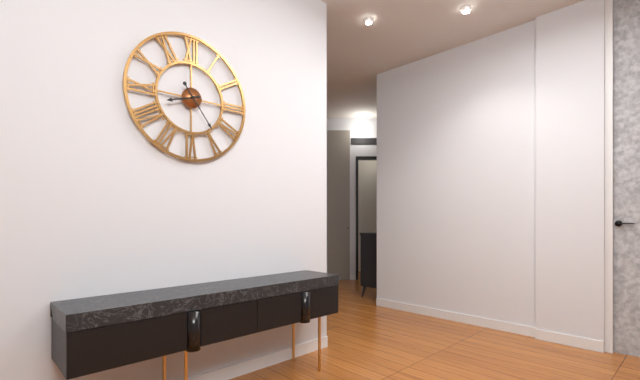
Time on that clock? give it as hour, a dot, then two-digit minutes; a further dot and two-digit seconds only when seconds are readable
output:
8.24
